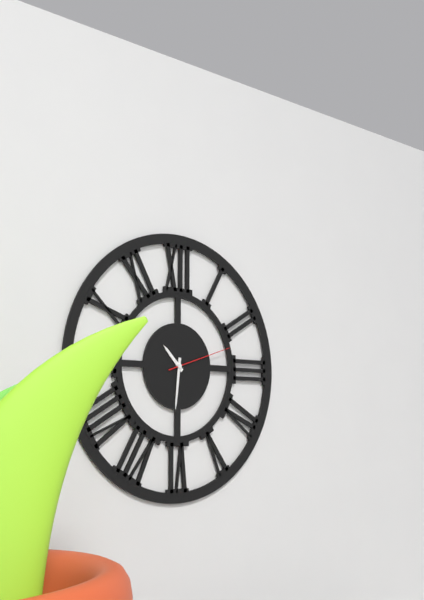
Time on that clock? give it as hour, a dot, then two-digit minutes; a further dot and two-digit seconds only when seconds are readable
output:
10.31.12
